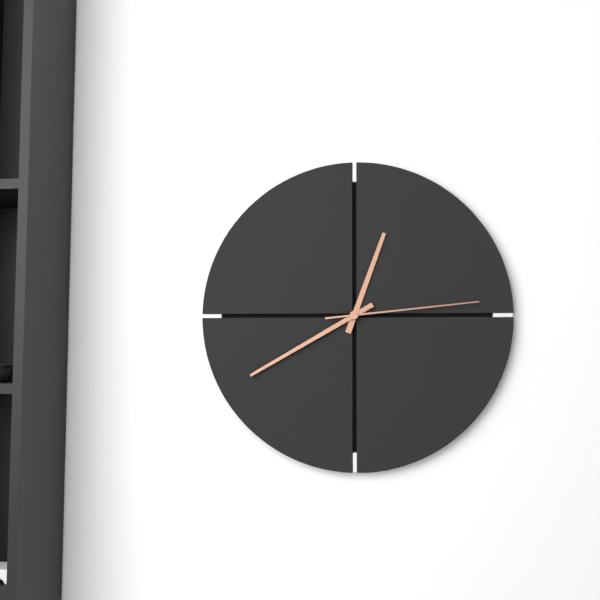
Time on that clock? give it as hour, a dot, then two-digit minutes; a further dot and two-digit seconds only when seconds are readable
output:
12.40.14
